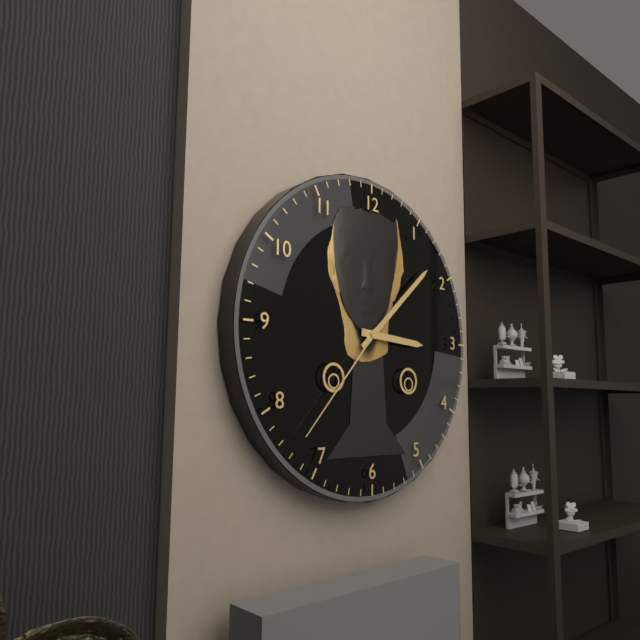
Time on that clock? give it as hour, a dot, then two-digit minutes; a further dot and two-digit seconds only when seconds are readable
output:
3.08.37
